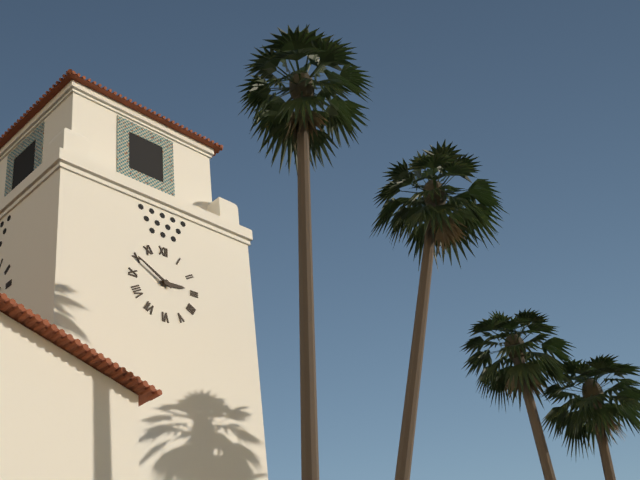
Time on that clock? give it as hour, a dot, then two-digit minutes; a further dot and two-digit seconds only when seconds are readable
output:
2.50
